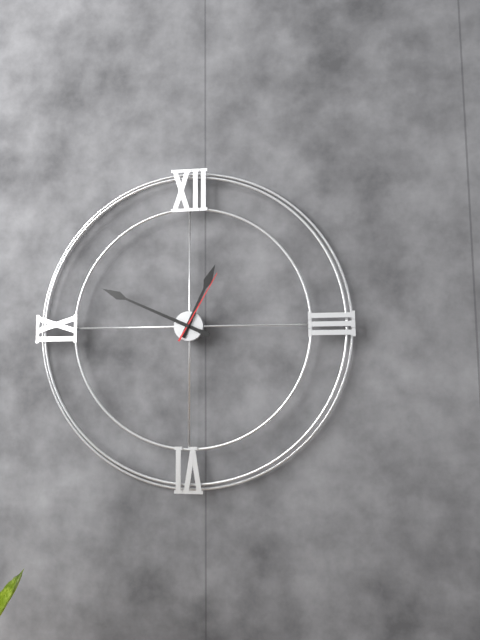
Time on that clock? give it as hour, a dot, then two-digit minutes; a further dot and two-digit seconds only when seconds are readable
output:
12.49.05
